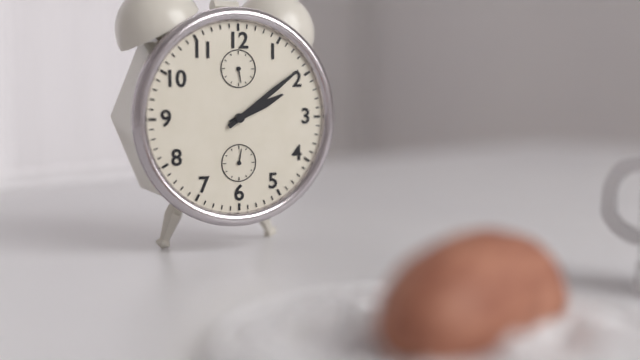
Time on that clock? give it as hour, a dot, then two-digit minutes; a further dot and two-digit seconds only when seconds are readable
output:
2.09
